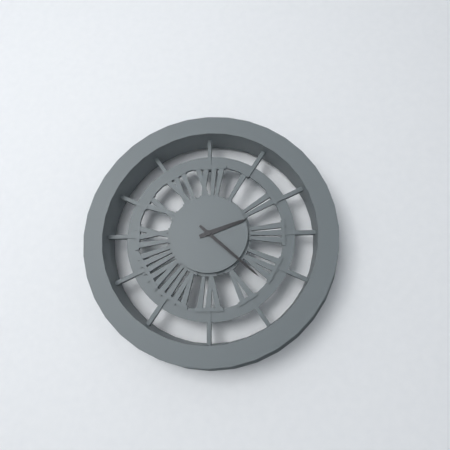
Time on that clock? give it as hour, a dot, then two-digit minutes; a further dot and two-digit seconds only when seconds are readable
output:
2.22
